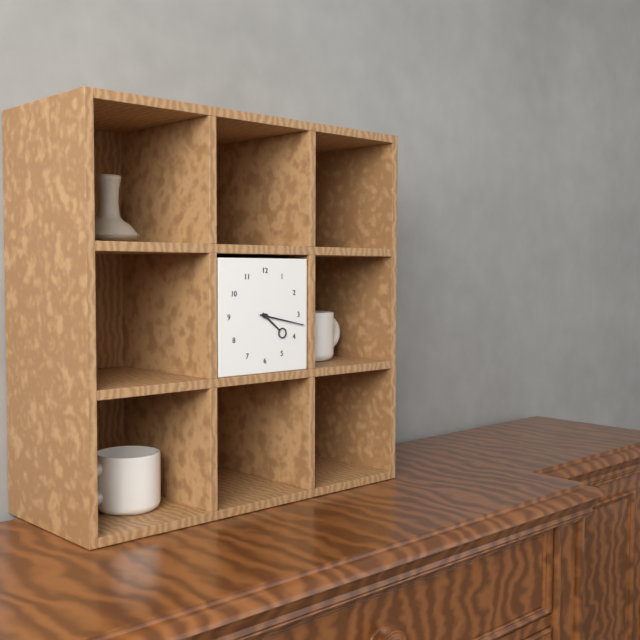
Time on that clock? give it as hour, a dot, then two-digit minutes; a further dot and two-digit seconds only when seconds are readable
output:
4.17
